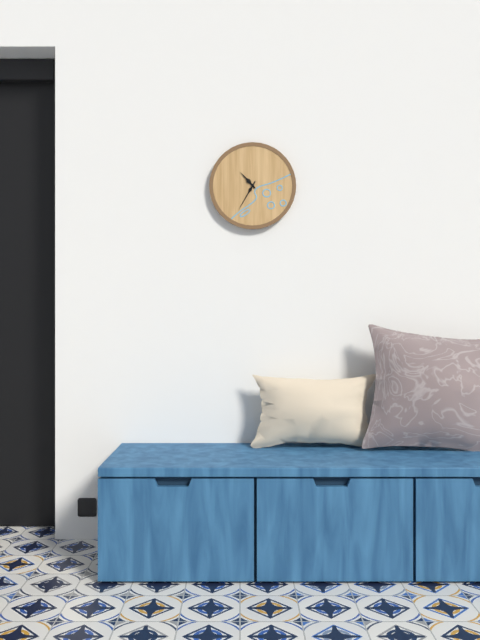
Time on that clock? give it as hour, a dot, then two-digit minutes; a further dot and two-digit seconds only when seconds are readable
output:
10.35
